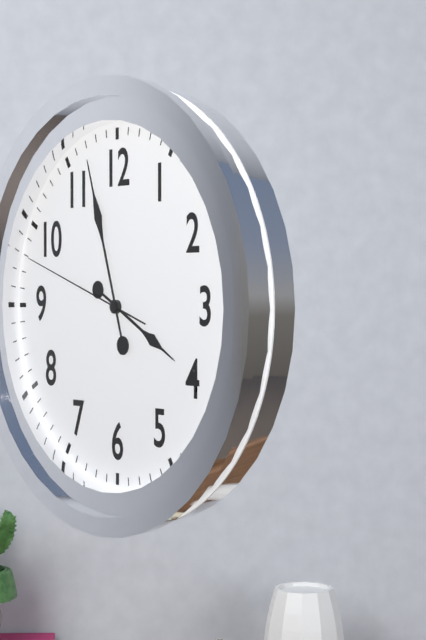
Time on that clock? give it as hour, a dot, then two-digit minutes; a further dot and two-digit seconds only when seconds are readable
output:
3.57.48
